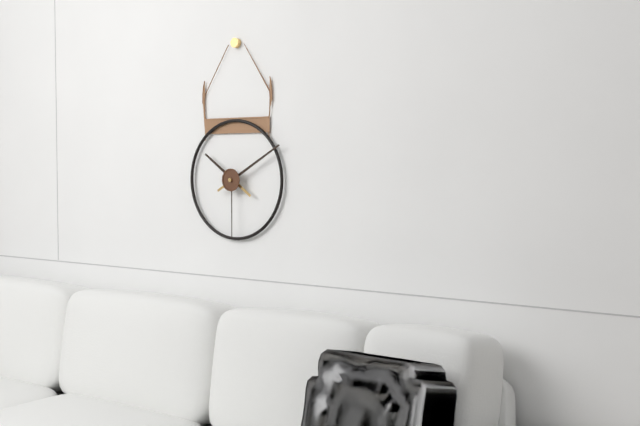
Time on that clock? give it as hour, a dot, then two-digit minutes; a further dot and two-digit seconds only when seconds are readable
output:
10.10.30
